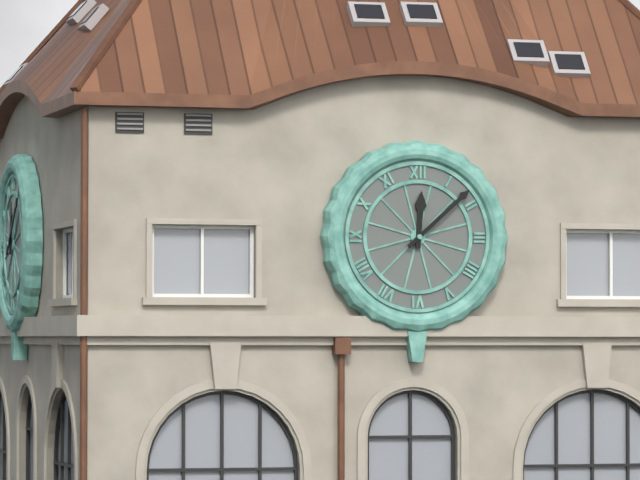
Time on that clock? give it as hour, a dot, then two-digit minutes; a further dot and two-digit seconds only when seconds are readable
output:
12.08
